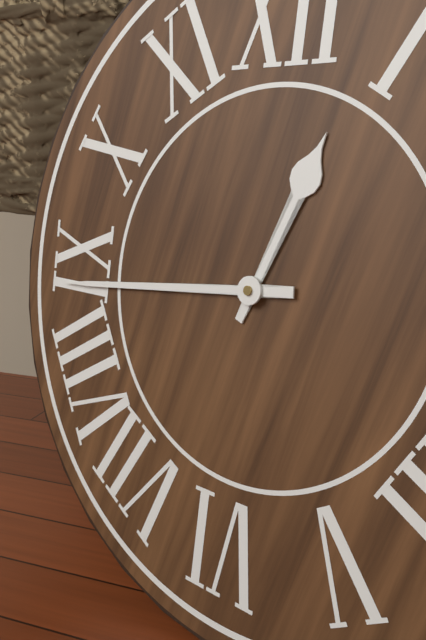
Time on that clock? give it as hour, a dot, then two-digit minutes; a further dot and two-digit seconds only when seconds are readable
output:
12.44
